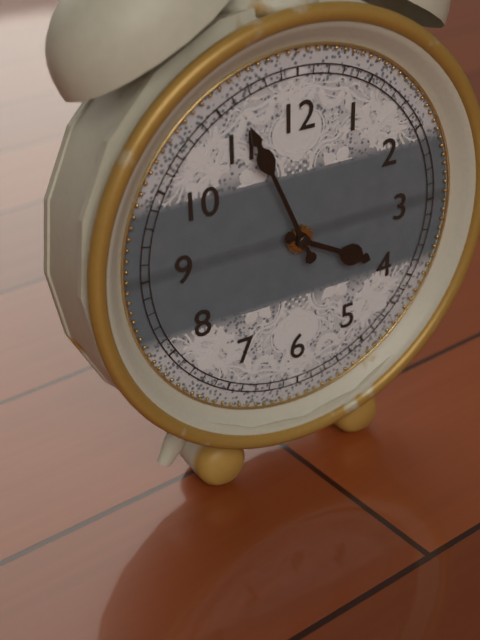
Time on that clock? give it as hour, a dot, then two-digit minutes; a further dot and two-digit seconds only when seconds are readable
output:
3.56
